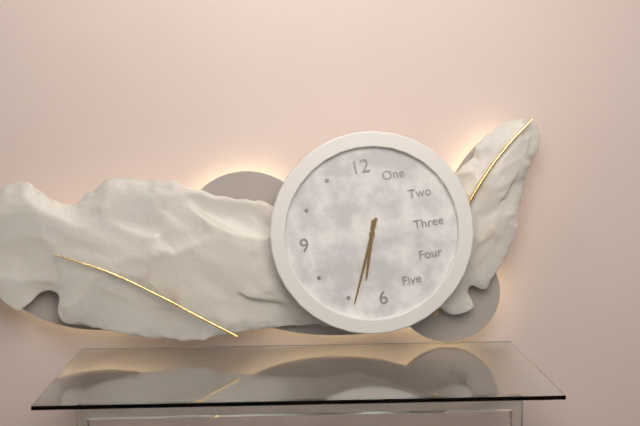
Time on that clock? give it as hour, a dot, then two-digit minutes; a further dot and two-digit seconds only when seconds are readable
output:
6.34
